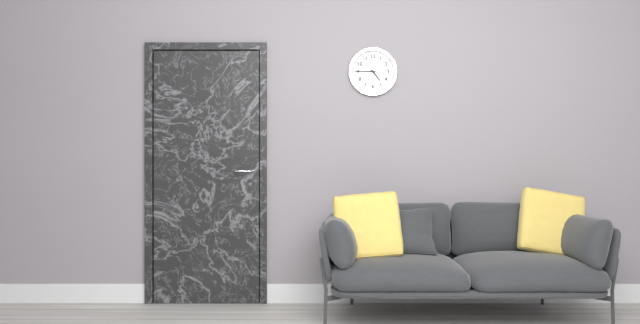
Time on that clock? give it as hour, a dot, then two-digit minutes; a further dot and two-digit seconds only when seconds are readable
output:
4.45
